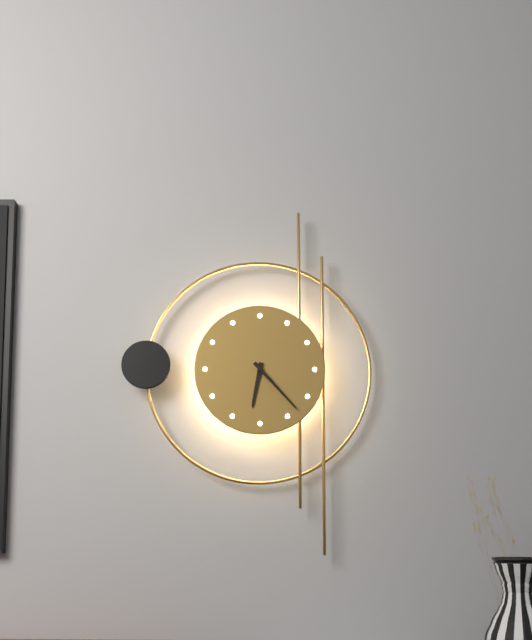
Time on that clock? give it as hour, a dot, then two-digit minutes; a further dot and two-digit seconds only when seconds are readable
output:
6.23
